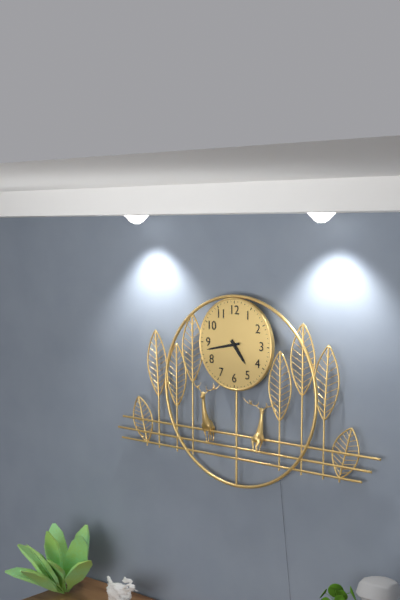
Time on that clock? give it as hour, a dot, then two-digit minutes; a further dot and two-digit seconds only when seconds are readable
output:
4.43
